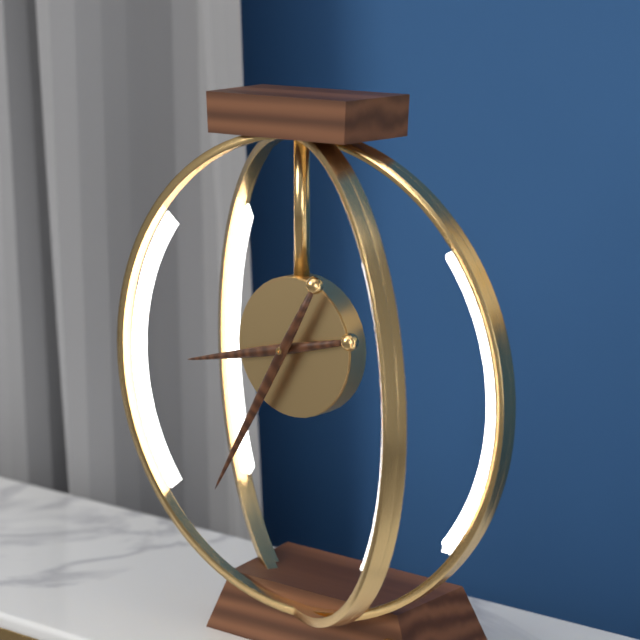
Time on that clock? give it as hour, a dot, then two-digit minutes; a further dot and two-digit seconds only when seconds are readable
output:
8.35
